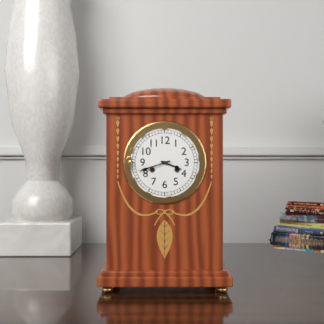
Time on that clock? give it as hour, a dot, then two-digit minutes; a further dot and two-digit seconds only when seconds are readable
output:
3.42
